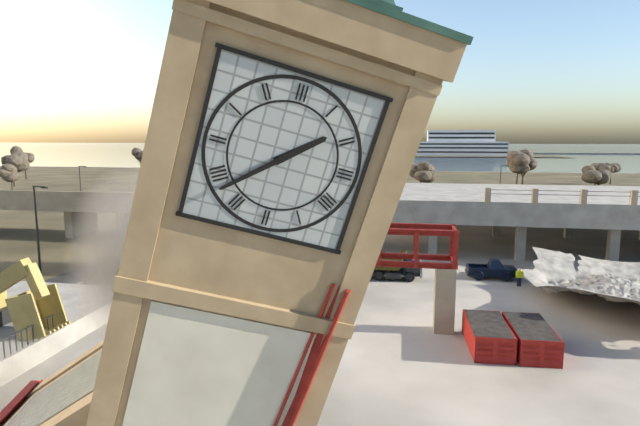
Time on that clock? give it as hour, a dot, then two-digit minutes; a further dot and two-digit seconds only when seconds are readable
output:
1.38
